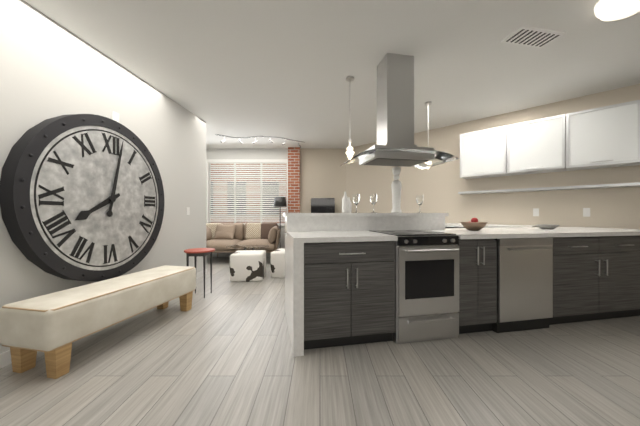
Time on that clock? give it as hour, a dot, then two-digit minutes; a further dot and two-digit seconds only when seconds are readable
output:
8.02
